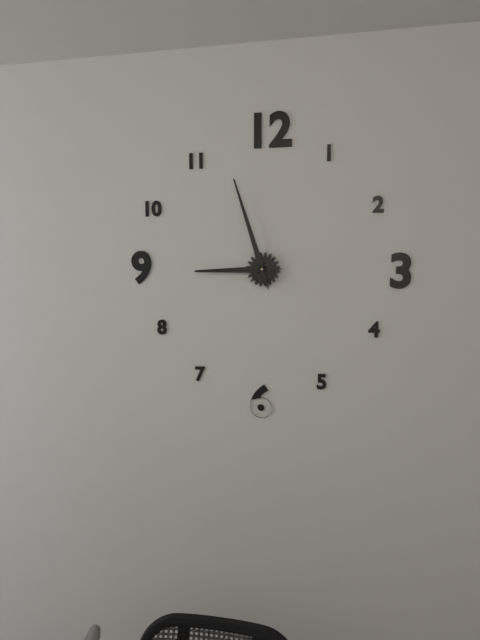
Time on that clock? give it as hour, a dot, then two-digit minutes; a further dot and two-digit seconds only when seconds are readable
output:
8.57
